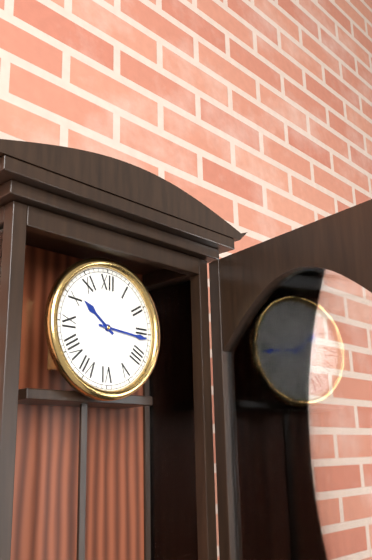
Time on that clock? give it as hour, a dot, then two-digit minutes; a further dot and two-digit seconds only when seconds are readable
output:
10.16
